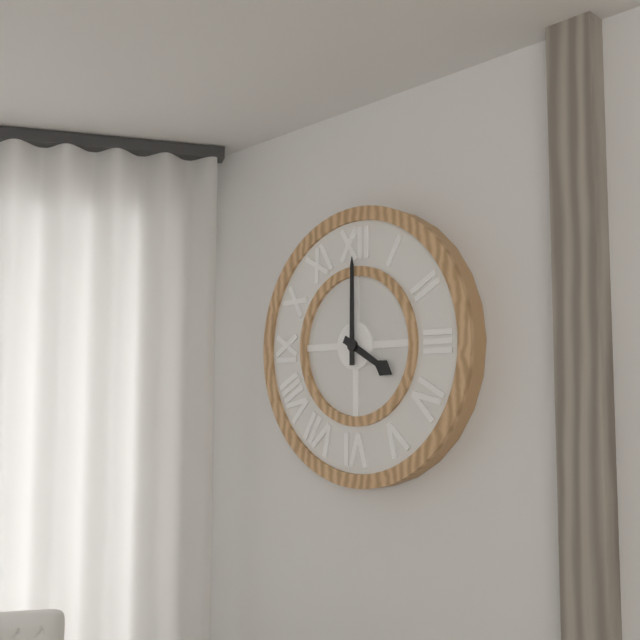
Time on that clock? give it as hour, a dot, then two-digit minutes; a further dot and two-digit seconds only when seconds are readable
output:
4.00
